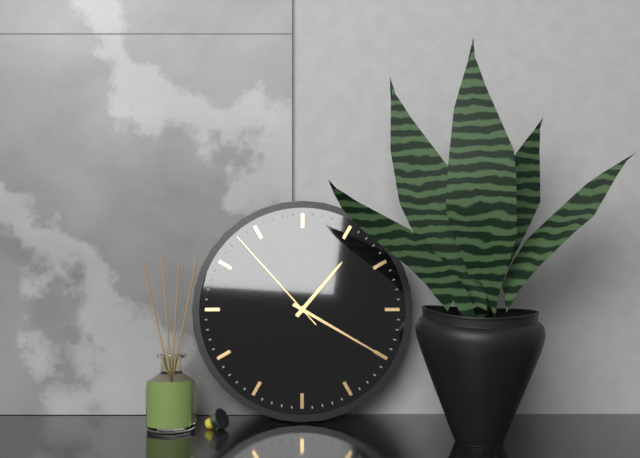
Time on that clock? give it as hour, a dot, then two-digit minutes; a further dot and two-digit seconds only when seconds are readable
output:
1.20.53
